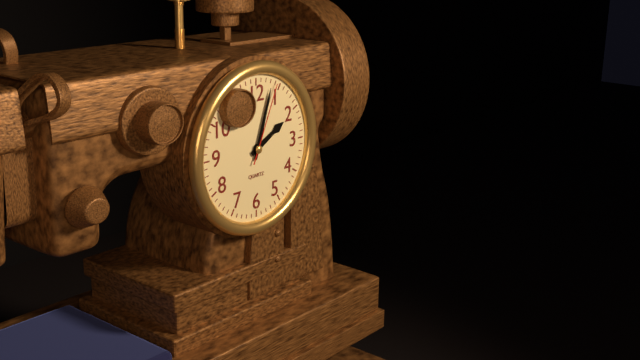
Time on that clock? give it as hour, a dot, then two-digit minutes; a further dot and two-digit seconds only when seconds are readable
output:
2.03.04
